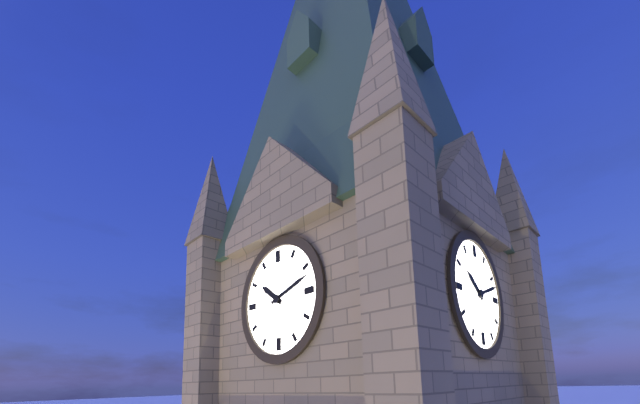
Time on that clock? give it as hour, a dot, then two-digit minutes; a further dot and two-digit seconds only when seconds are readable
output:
10.12
